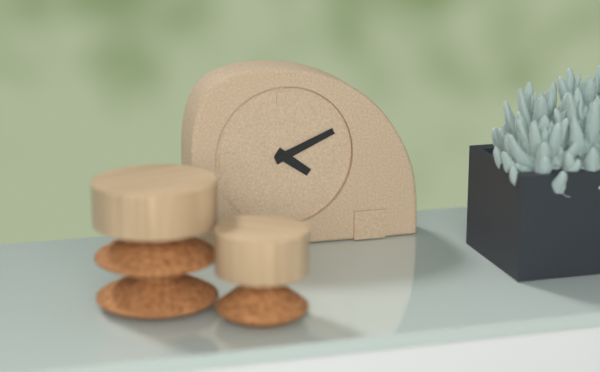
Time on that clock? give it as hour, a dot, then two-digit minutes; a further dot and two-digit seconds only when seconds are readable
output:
4.11
